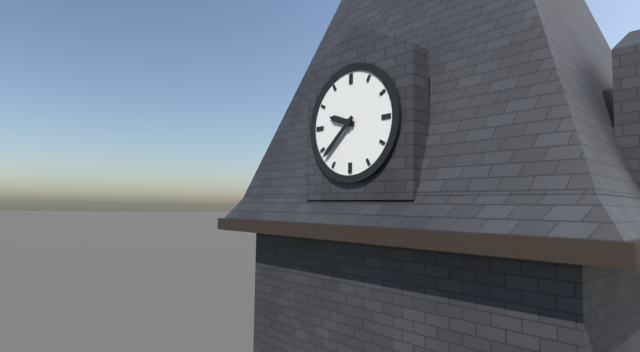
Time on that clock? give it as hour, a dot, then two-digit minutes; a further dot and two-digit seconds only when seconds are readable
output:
9.38
